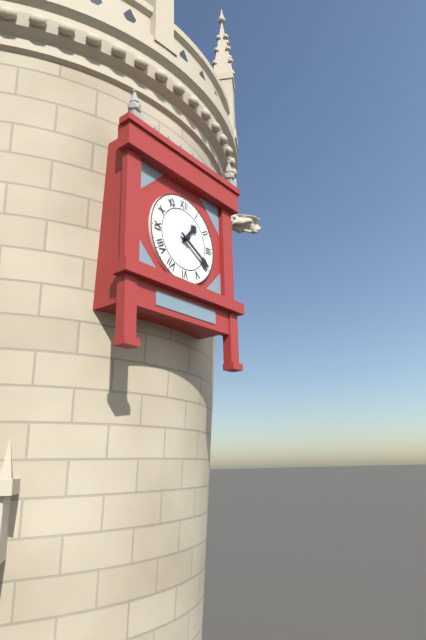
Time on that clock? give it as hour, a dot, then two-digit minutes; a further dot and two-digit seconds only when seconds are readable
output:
1.20
